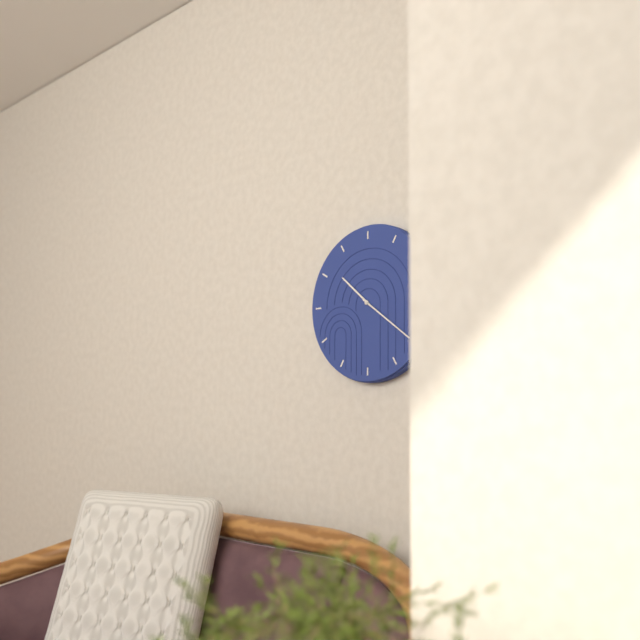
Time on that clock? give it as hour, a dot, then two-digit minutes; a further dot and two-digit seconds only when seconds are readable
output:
10.21
